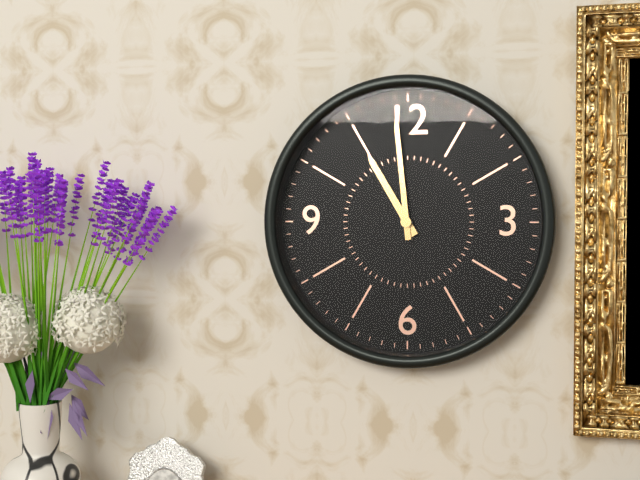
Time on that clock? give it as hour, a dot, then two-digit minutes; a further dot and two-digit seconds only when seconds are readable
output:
10.59
